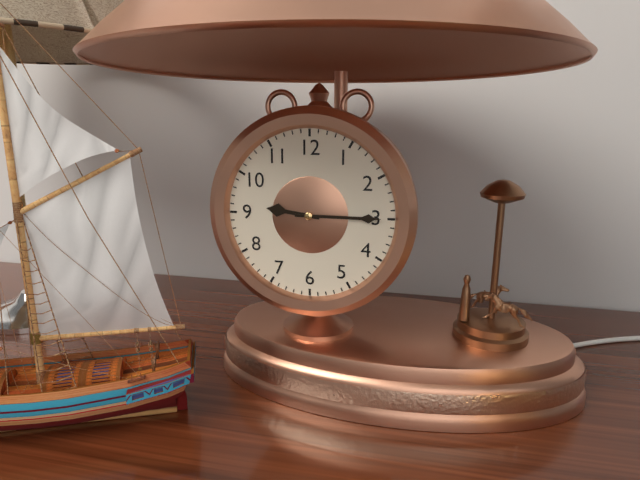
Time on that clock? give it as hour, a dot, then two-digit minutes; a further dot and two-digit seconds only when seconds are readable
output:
9.15
